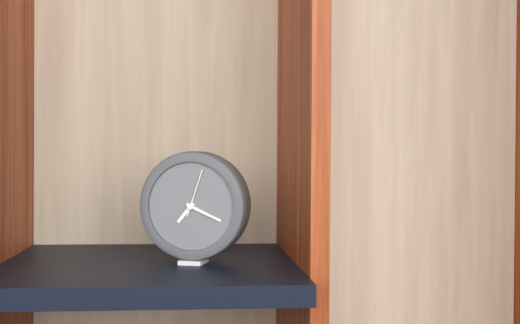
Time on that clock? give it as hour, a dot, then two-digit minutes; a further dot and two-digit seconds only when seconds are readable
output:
7.19
